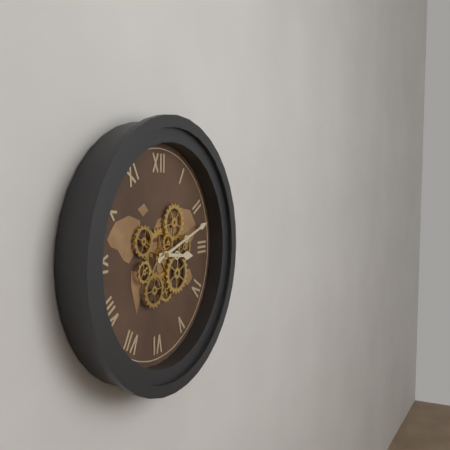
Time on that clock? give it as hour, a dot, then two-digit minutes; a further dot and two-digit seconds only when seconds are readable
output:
3.12
